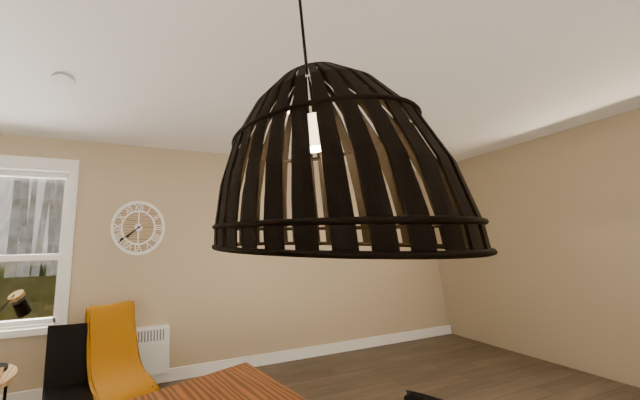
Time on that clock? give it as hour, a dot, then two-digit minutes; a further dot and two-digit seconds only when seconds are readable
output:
7.39
